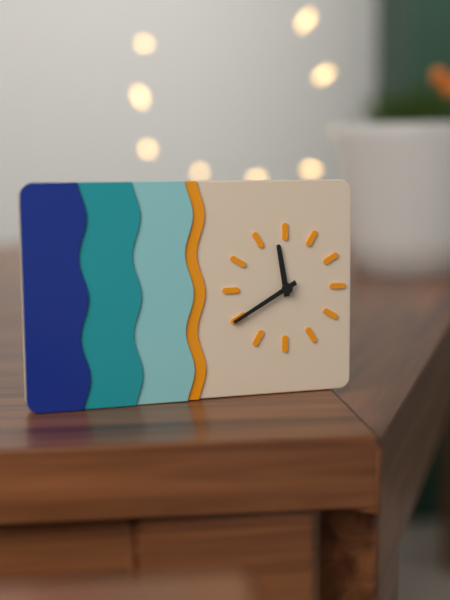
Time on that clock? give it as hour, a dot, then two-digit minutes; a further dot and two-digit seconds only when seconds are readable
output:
11.40
